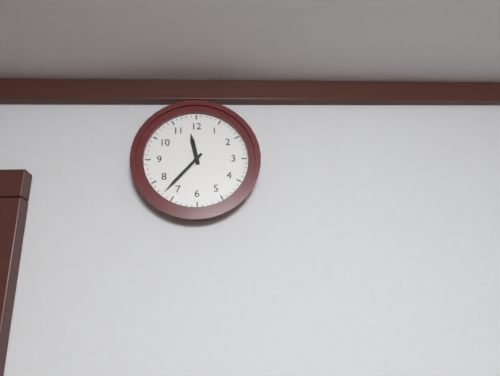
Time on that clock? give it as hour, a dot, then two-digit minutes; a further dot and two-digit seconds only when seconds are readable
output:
11.37
